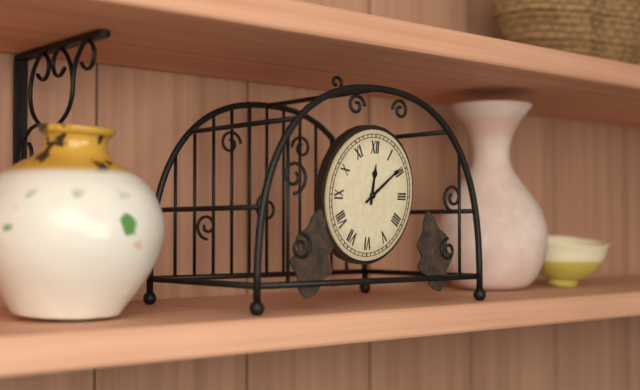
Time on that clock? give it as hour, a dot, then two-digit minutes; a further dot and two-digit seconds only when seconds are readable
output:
12.09
